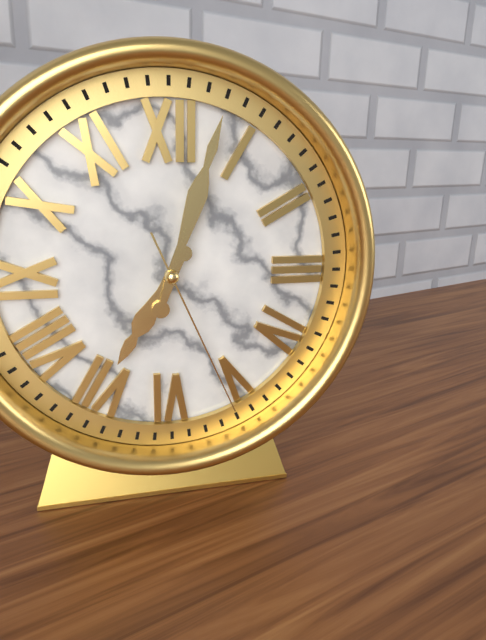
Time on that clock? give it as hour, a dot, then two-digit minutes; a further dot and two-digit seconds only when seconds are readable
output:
7.03.26
